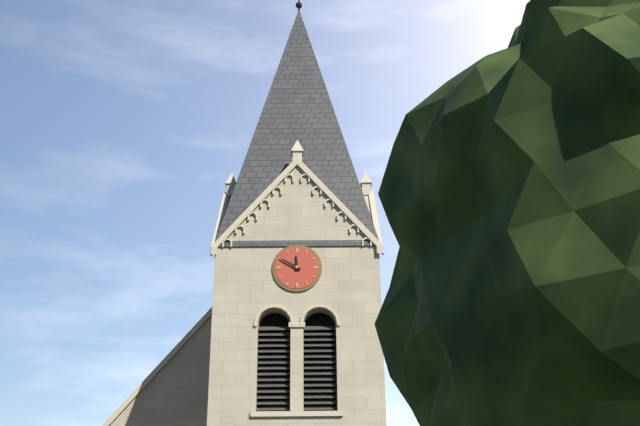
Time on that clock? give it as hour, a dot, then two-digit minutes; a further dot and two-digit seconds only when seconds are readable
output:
11.50
